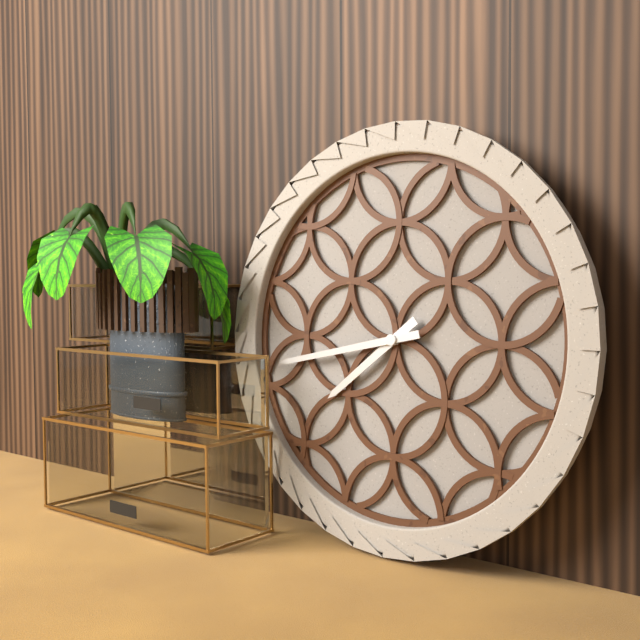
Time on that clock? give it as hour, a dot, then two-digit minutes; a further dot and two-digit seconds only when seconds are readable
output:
7.43
